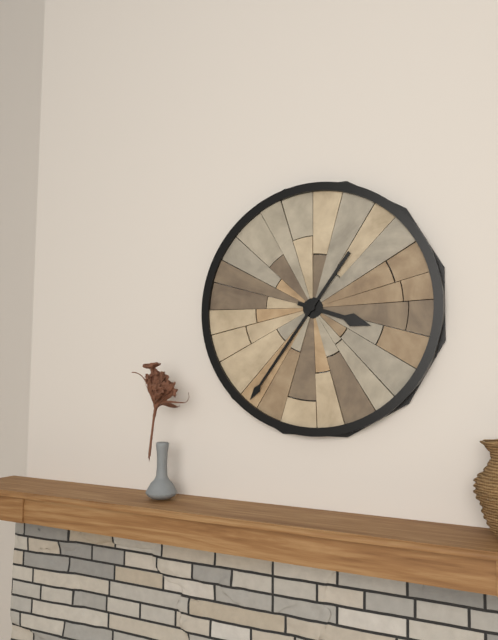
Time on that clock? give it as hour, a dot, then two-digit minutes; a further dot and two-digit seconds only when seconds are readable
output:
3.36
